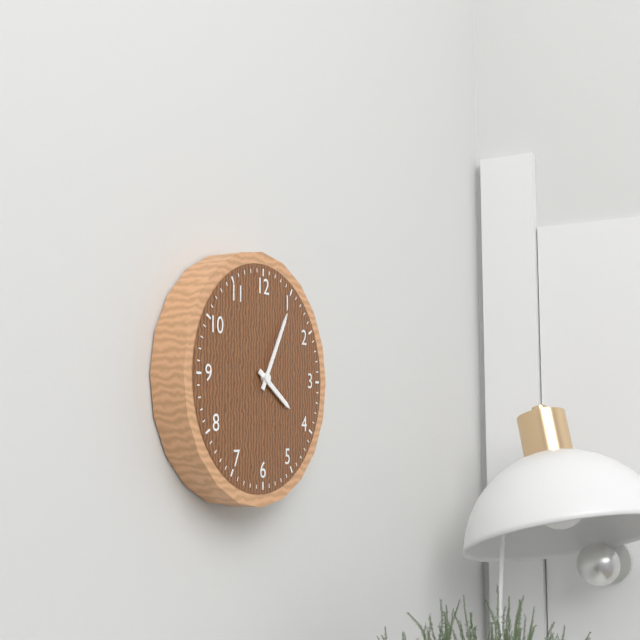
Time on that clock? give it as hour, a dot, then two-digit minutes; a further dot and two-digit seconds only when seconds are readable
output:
4.05
